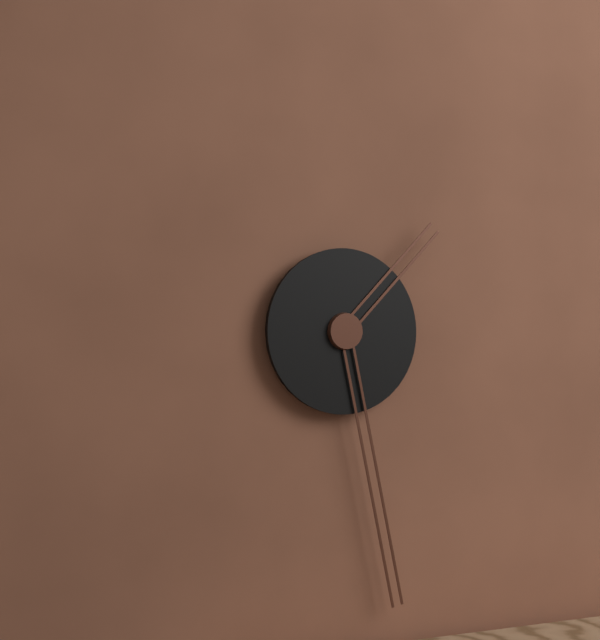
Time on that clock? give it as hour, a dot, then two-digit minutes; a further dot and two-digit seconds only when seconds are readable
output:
1.28
